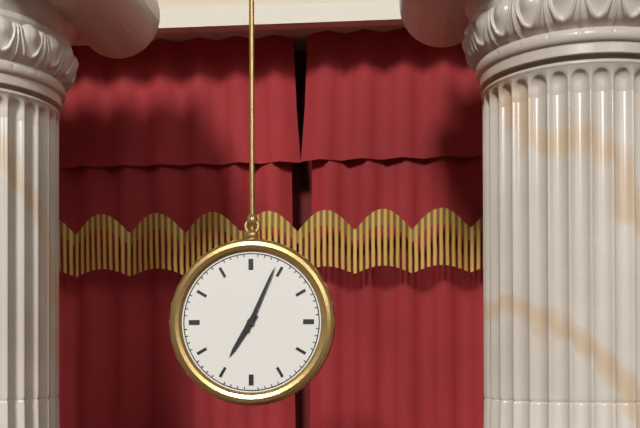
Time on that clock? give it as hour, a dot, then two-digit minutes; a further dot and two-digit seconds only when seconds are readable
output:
7.04
